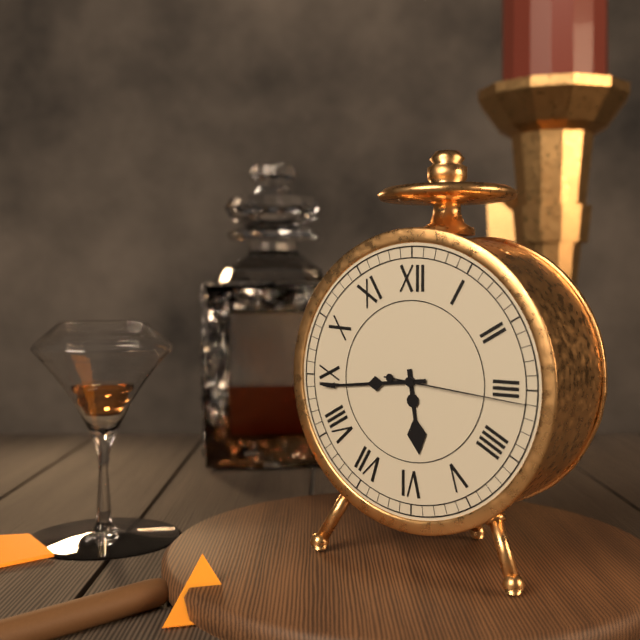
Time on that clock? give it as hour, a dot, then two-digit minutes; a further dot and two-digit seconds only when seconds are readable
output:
5.44.16
